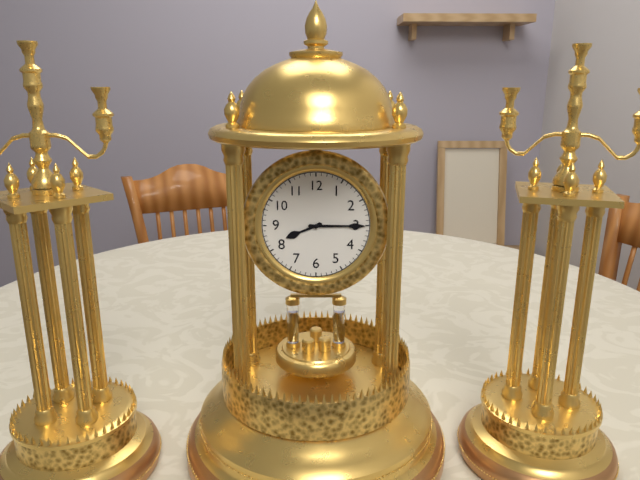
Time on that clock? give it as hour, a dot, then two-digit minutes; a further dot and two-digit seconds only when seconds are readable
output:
8.15
